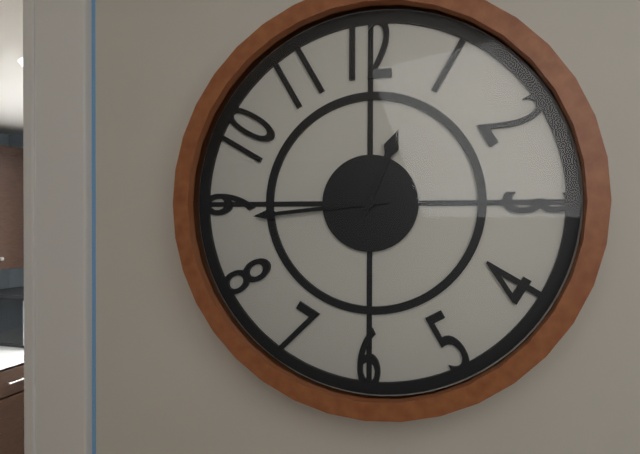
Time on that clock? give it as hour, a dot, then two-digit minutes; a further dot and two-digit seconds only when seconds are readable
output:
12.44
